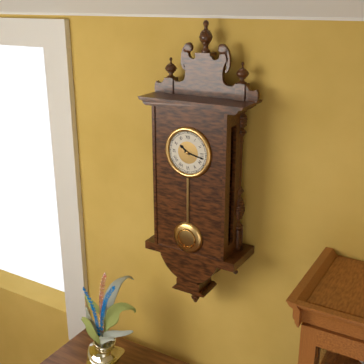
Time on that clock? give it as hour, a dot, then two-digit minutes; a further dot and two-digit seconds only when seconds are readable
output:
10.17
